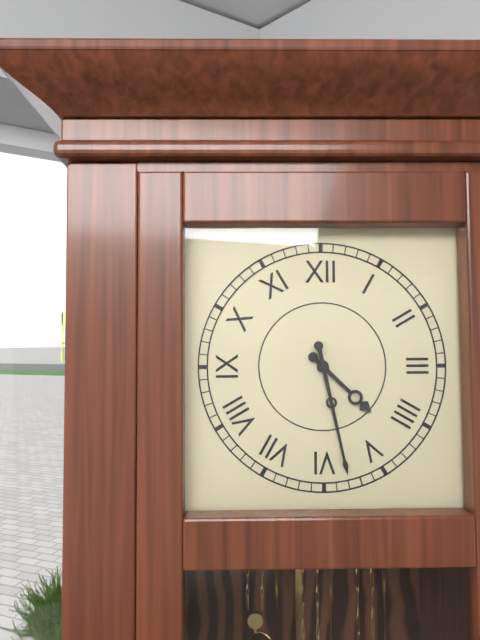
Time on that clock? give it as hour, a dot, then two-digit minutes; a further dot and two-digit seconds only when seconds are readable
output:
4.28
